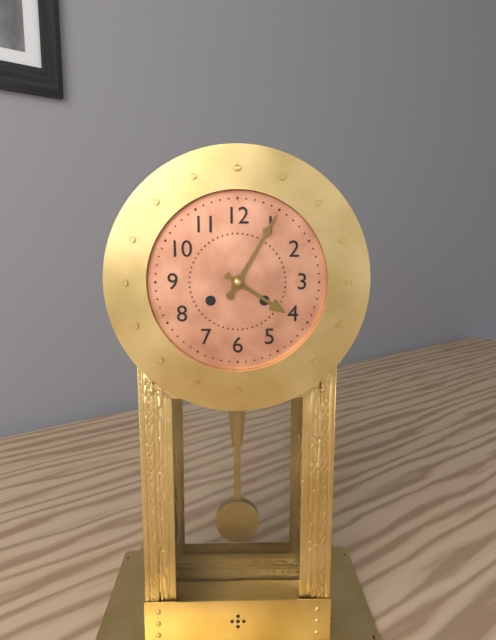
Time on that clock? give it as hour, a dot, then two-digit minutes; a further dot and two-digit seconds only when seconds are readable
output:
4.05
